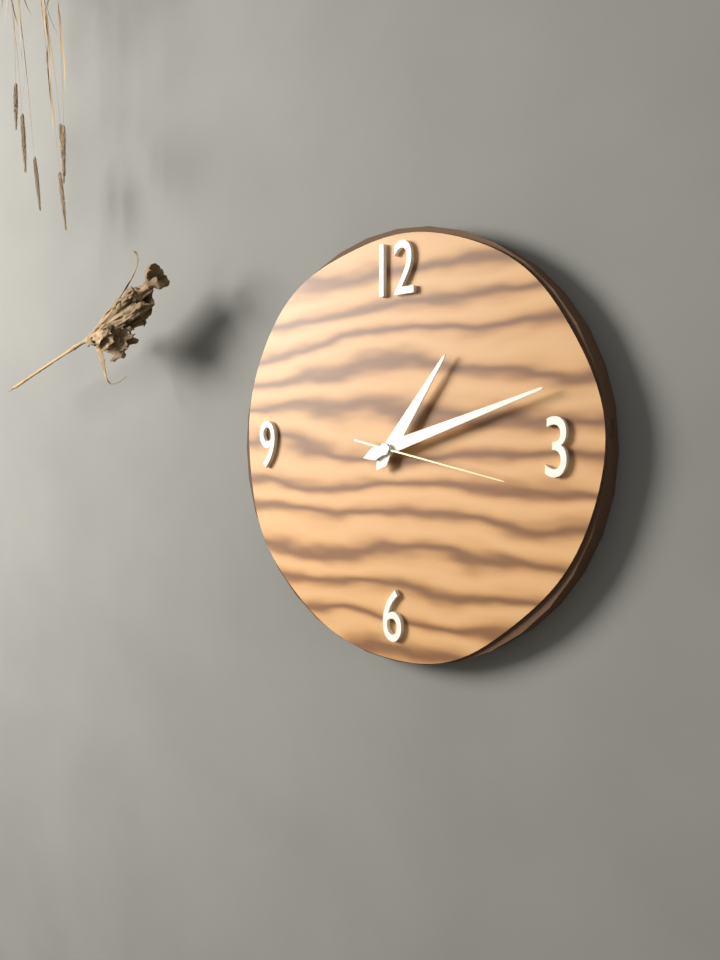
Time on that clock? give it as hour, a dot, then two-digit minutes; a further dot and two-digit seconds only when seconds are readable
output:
1.12.17
